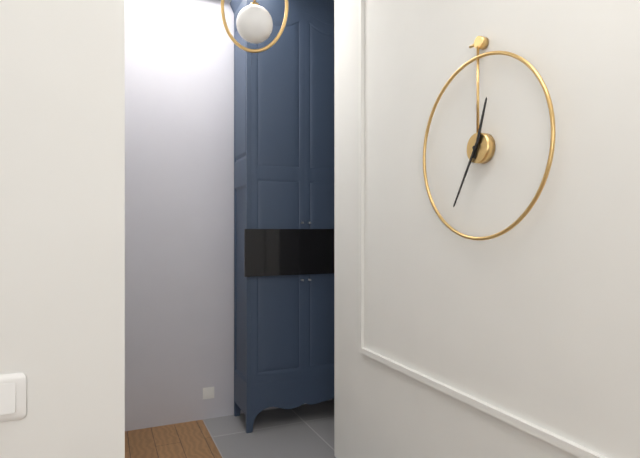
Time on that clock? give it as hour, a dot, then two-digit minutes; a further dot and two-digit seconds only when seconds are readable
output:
12.35
